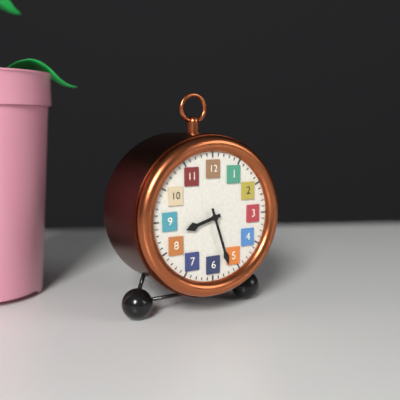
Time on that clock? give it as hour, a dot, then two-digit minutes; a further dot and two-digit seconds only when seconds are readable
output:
8.27
